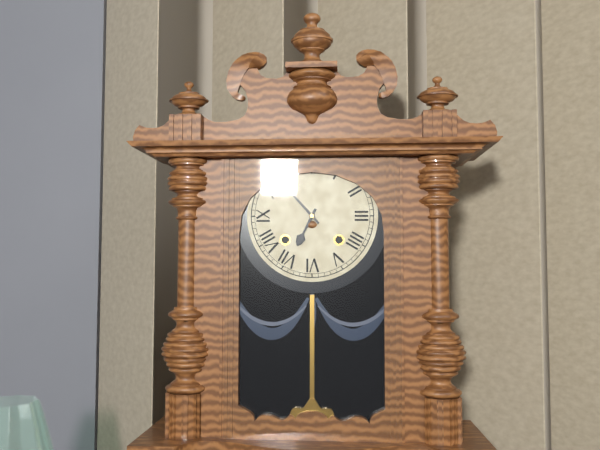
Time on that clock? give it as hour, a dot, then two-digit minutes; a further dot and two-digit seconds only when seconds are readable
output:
6.53
